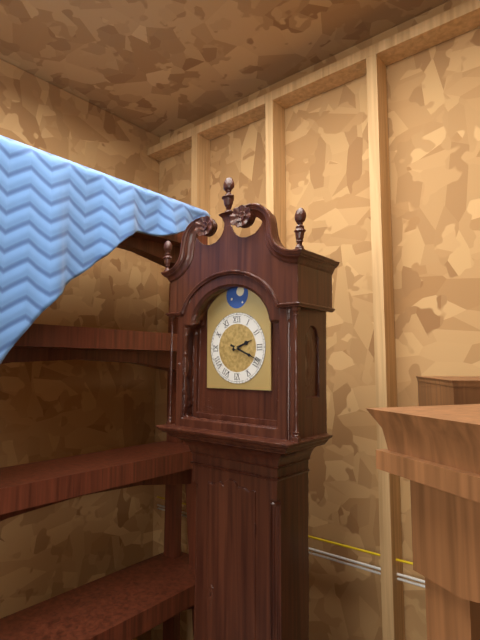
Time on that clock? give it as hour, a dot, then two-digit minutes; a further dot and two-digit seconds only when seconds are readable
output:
2.19
